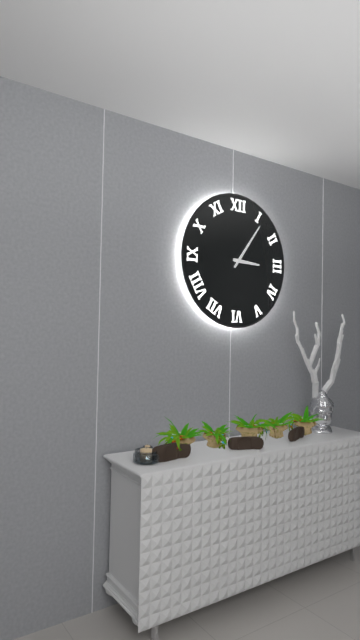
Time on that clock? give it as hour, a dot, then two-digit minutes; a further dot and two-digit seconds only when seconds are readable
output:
3.06
